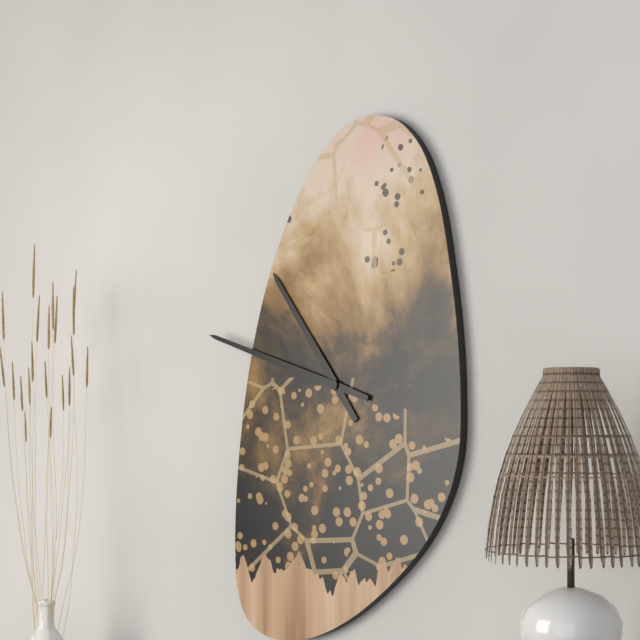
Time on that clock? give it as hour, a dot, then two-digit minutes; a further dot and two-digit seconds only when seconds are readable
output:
10.48
